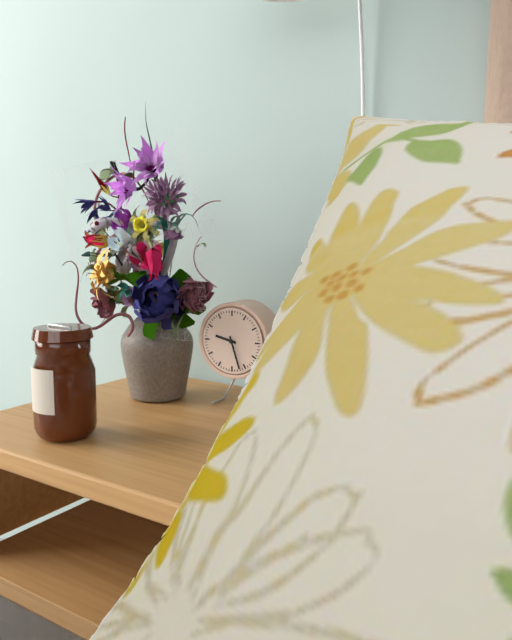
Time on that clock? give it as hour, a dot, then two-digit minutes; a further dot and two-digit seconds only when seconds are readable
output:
9.27
